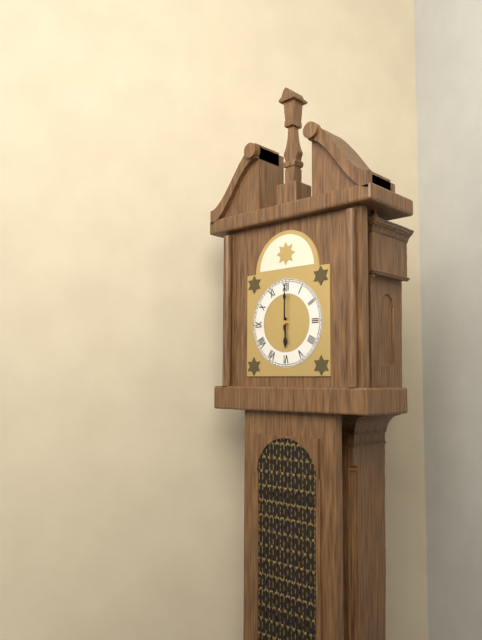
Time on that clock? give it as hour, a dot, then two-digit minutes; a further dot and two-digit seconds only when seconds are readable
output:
6.00
